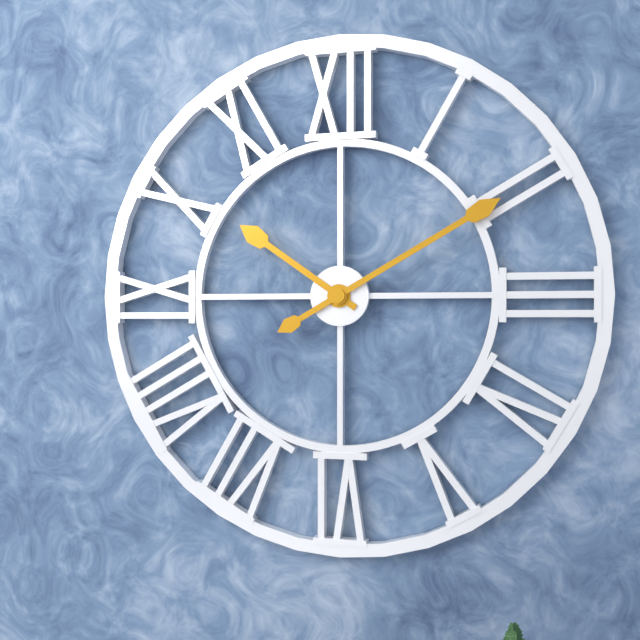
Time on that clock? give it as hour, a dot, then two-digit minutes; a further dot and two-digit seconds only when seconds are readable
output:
10.10
